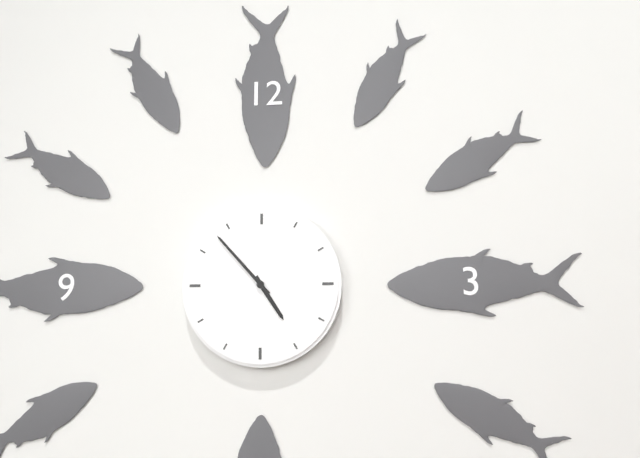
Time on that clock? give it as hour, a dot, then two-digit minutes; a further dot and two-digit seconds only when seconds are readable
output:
4.53
